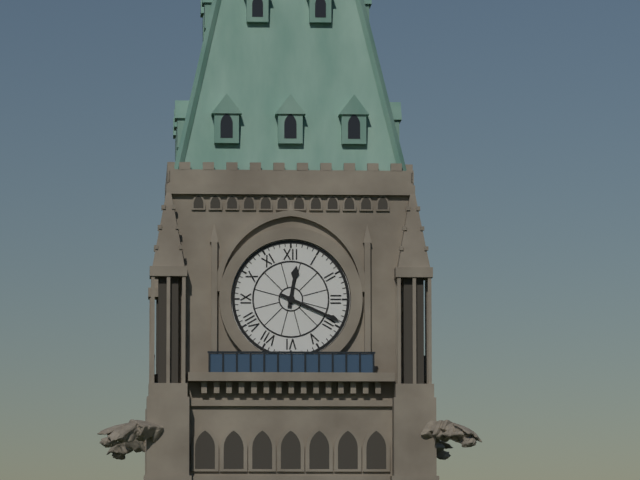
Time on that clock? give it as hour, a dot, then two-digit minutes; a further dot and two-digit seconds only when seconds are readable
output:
12.19
